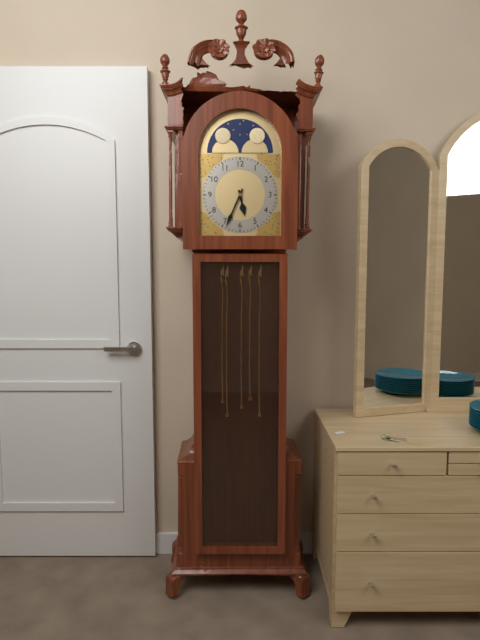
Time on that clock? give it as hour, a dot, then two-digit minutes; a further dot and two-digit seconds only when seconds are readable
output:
5.34
